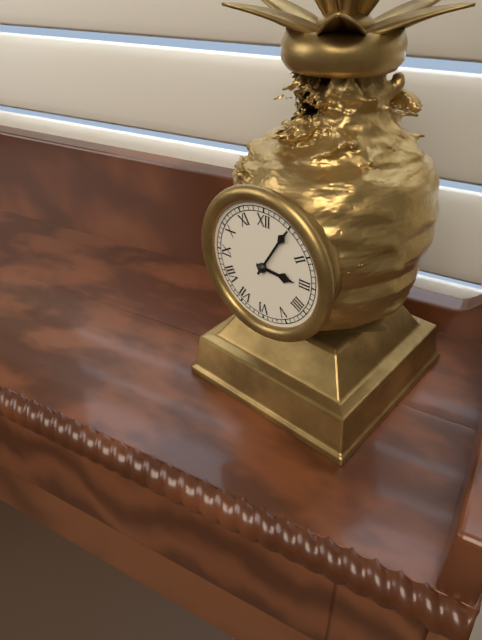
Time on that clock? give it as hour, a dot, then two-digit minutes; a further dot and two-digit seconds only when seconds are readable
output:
3.05
